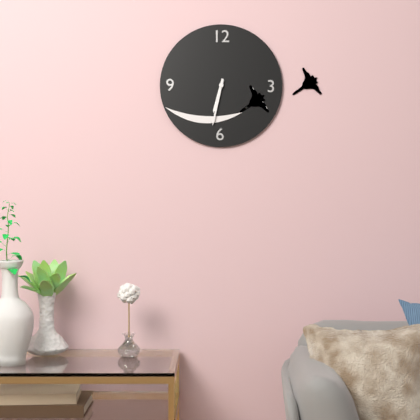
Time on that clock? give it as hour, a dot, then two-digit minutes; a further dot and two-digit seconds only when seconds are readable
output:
6.32
